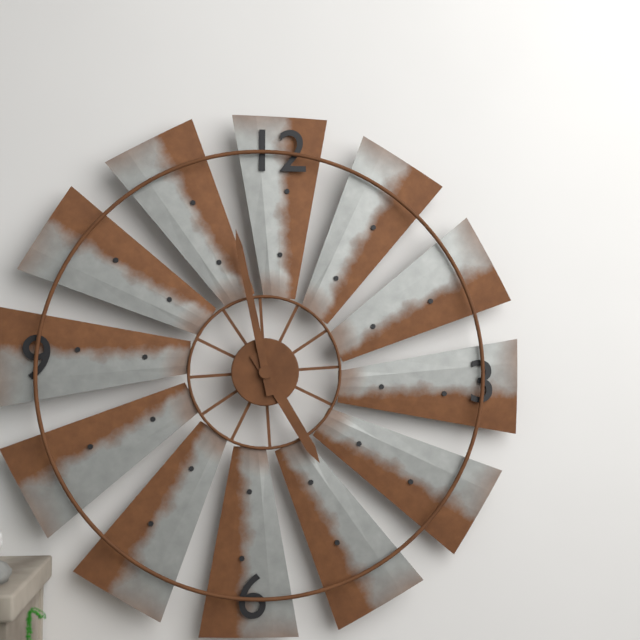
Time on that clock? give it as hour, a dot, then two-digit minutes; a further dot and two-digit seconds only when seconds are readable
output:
4.58
